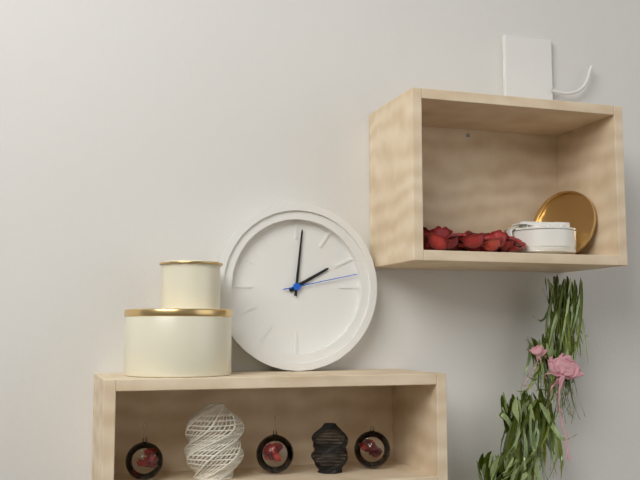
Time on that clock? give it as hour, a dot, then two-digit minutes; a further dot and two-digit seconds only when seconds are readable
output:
2.01.13
